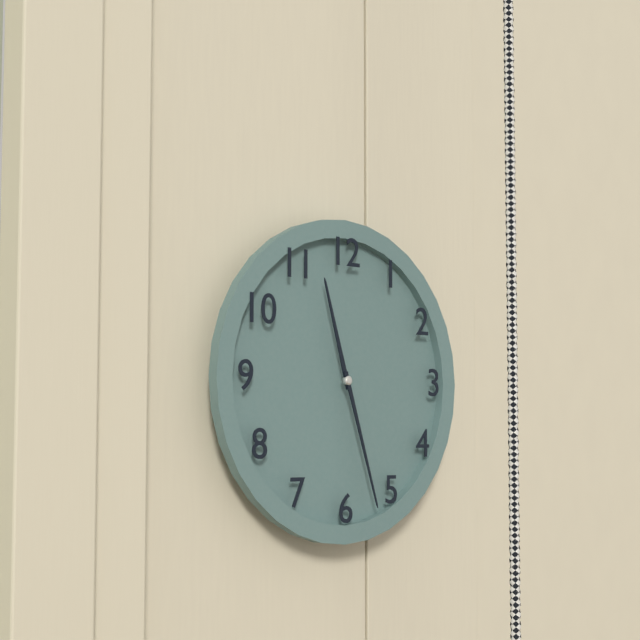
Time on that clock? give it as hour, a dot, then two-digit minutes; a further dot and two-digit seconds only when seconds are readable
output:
11.27
